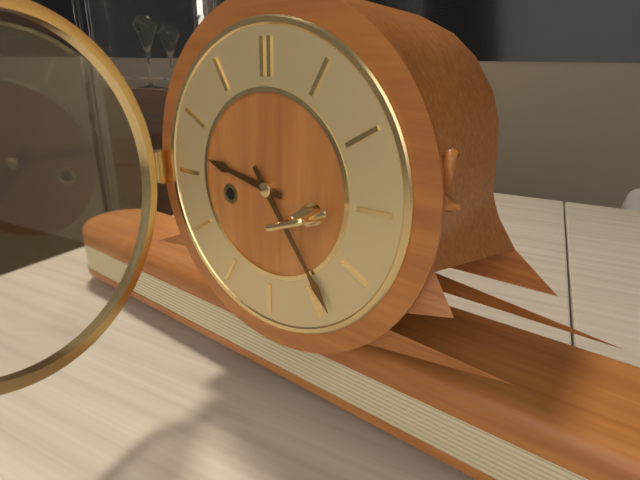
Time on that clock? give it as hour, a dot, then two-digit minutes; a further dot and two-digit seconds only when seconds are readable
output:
9.24
